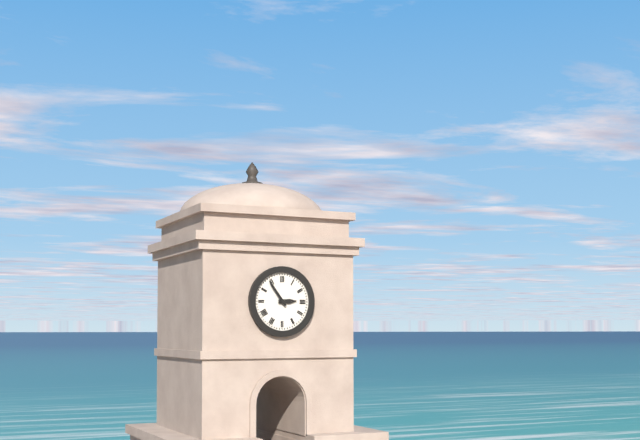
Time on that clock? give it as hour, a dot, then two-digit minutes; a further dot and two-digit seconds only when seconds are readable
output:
2.54
